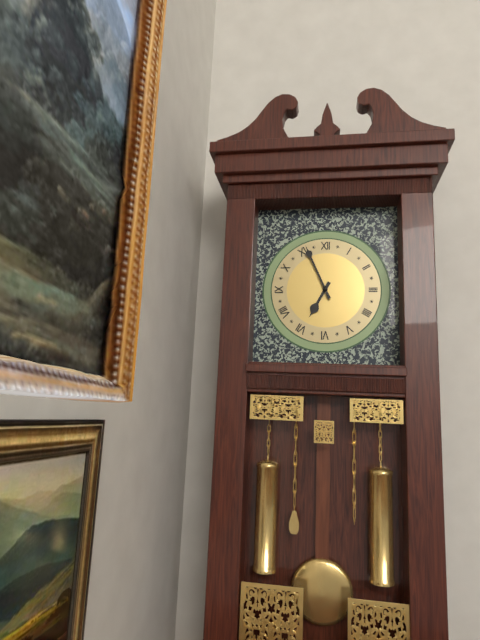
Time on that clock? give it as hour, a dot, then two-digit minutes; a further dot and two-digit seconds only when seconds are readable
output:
6.56
